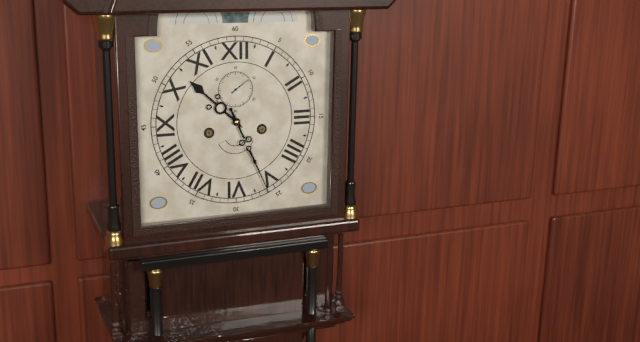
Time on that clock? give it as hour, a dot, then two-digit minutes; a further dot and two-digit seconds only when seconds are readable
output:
10.26
